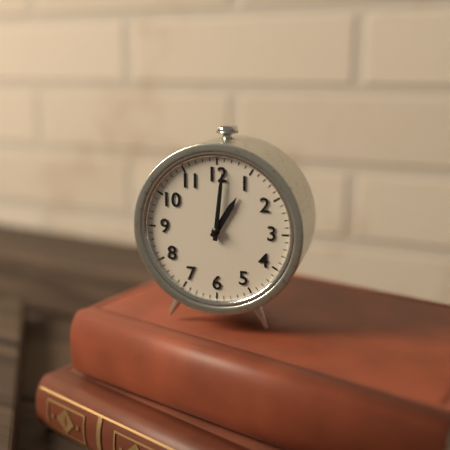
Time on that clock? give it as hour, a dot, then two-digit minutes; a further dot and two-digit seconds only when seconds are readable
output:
1.01
